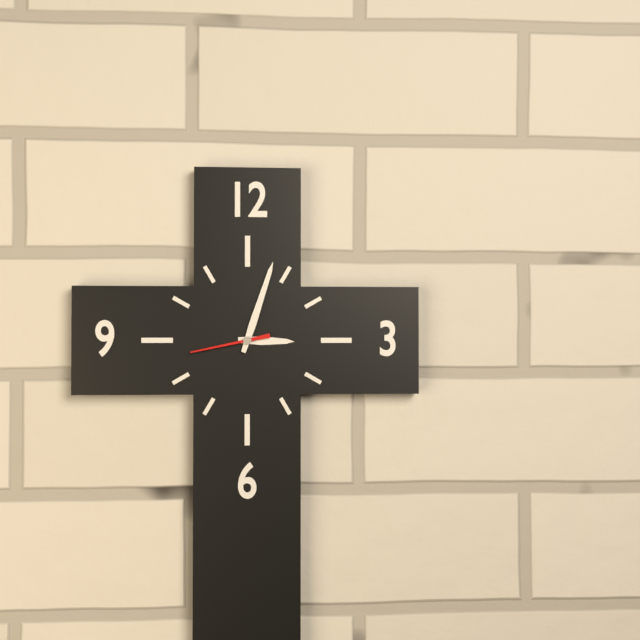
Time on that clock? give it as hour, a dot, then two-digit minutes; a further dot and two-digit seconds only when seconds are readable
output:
3.03.43
